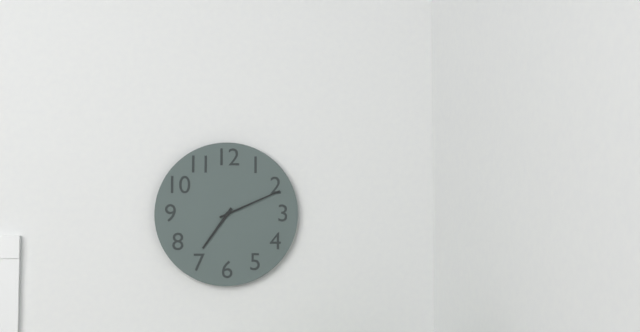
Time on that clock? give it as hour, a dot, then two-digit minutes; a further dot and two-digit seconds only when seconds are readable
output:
7.11
